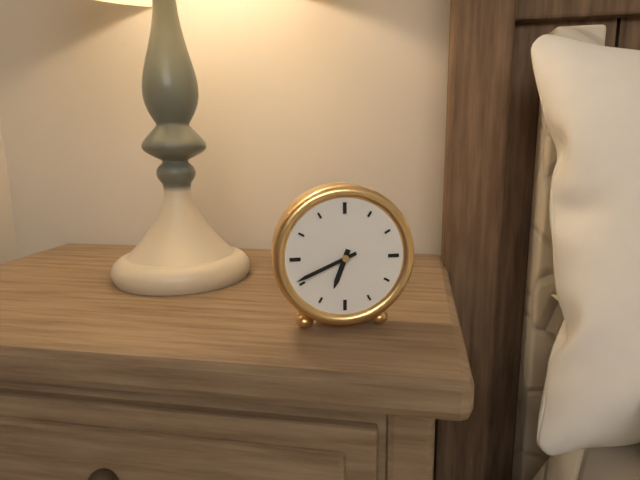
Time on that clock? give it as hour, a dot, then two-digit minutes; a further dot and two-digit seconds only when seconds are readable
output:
6.41
